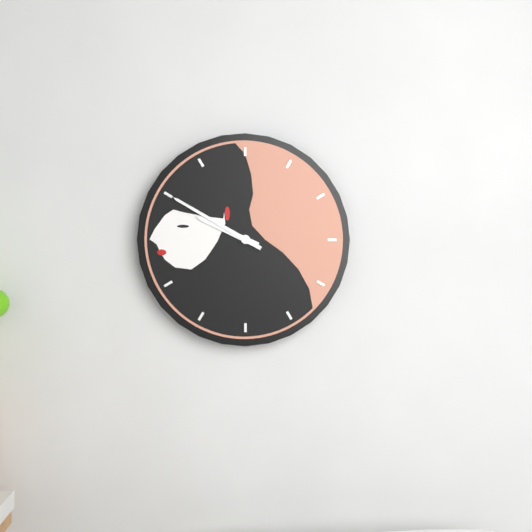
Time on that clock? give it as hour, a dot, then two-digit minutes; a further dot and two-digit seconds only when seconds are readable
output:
9.50
